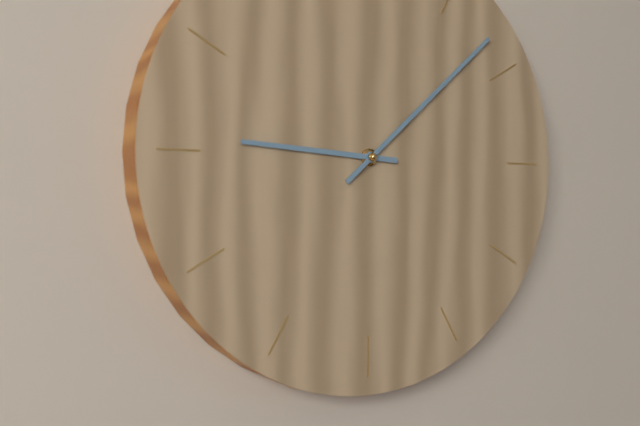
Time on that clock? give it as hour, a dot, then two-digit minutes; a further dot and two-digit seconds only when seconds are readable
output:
9.08
